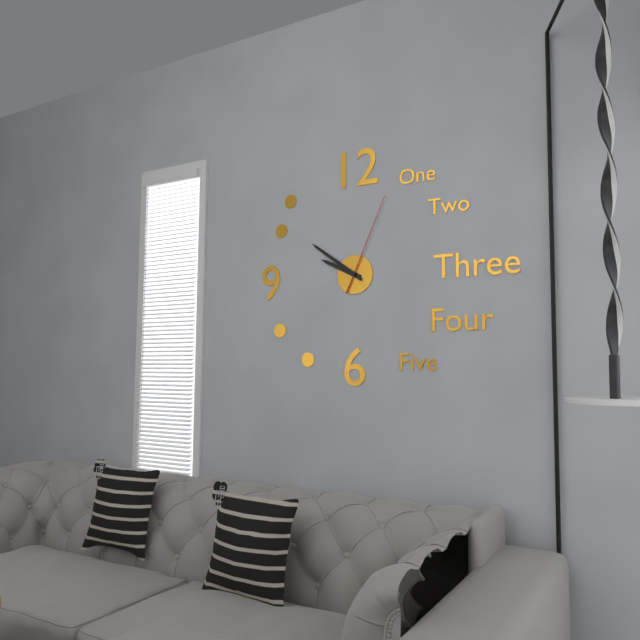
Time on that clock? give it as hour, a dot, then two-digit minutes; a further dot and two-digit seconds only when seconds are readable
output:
9.51.04
